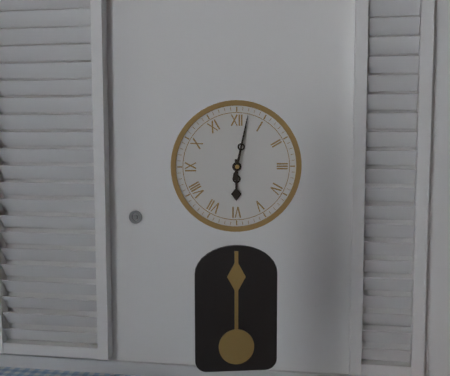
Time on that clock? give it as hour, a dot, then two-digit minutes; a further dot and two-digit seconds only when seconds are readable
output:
6.02
